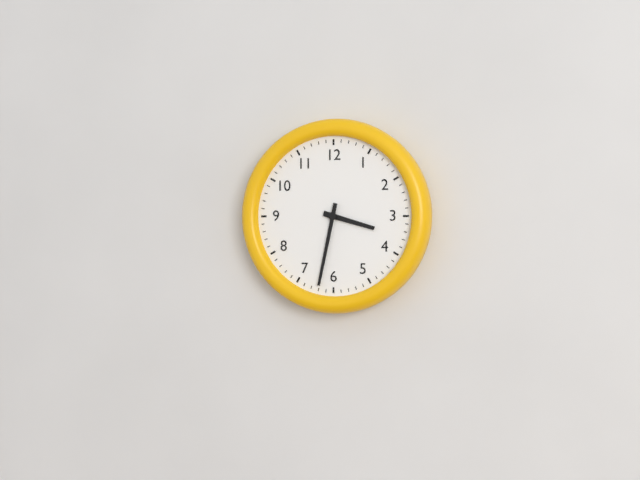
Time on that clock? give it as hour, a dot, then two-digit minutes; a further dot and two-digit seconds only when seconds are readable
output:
3.32
